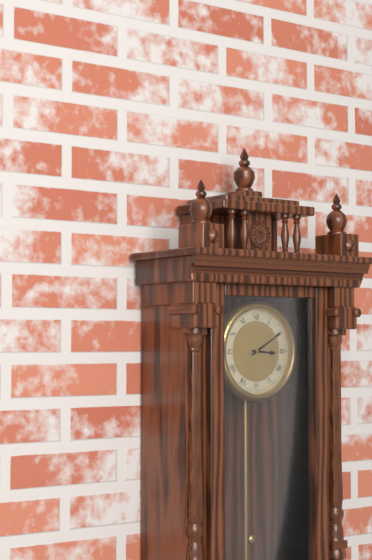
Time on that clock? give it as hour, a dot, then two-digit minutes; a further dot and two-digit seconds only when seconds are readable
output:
3.10
